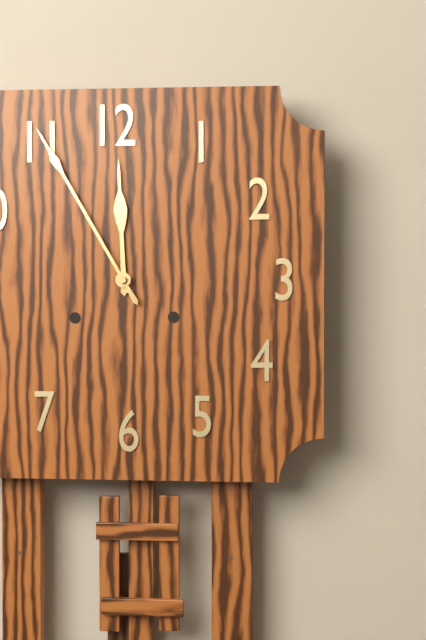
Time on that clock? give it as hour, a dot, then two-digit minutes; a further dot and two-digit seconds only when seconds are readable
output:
11.55
